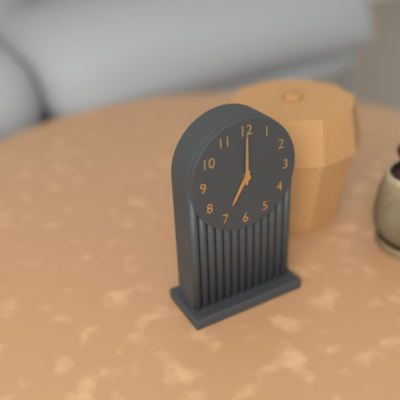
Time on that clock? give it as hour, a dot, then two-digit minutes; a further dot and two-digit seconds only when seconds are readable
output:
7.00
